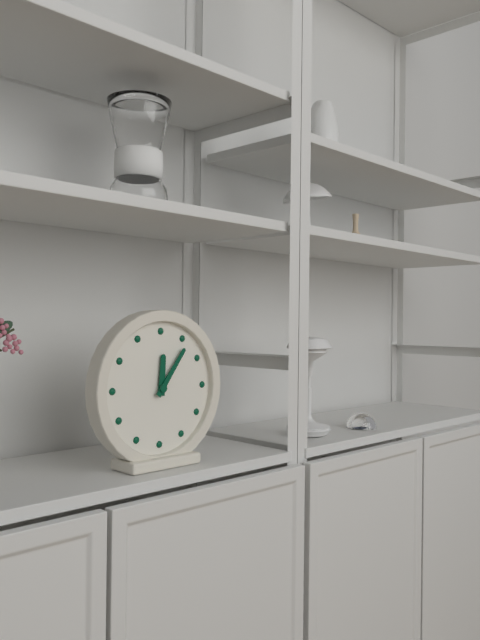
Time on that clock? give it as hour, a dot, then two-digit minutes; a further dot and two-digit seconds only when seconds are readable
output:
12.06
